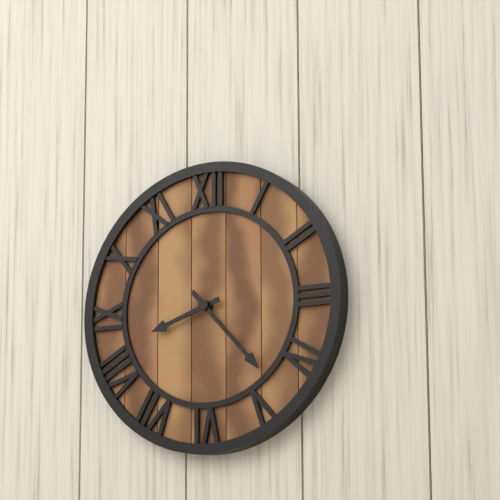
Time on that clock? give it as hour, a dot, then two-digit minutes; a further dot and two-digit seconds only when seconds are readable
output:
8.23
